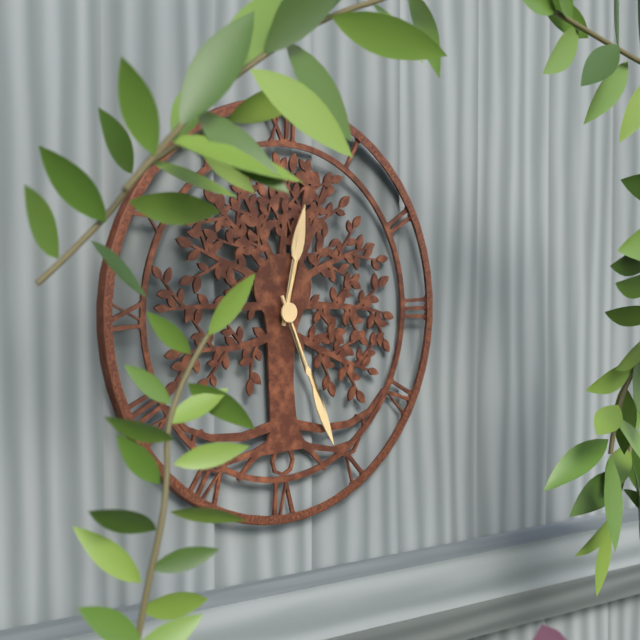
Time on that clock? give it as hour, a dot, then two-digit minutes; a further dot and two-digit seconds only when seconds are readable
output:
12.26
